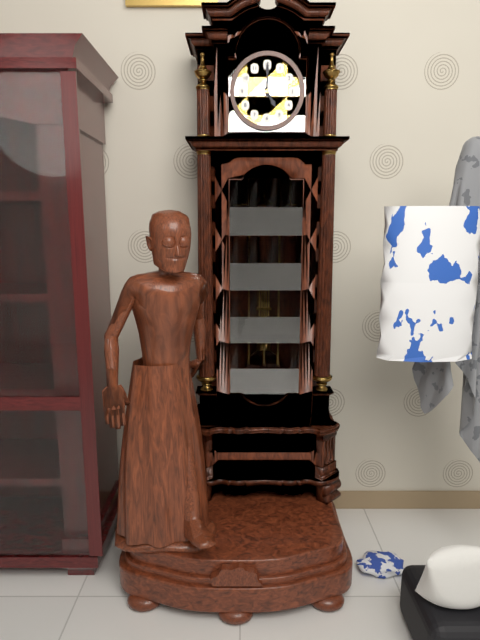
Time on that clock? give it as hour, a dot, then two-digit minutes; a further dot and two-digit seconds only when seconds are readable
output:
5.00
